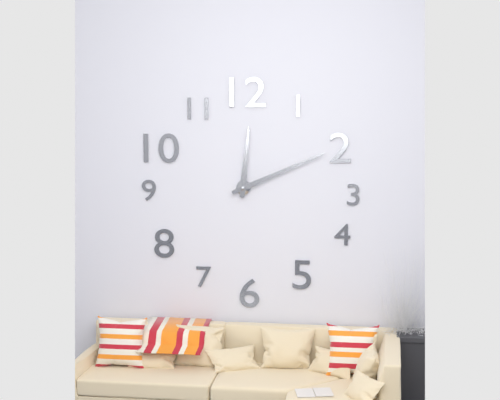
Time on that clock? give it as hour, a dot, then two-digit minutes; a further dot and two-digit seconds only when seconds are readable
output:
12.11
